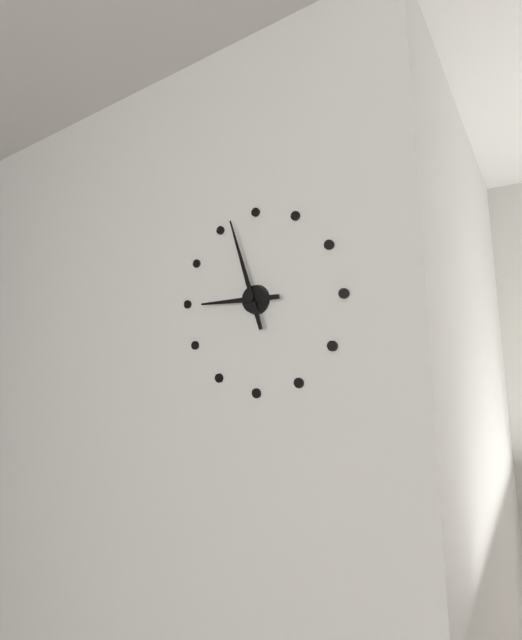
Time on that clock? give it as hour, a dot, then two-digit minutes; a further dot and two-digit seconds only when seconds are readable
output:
8.57
